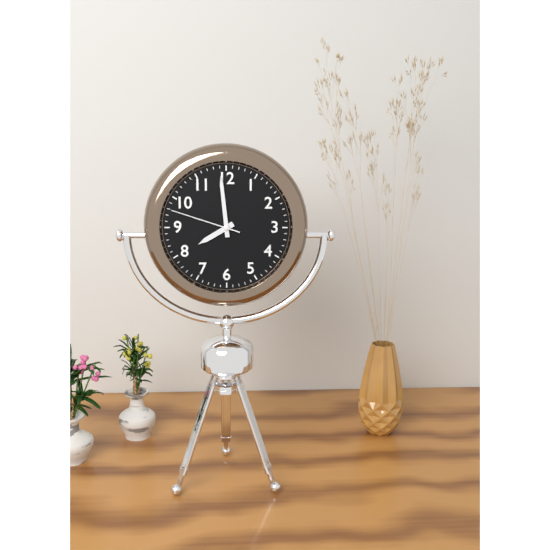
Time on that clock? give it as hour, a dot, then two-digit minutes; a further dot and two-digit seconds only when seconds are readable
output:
7.59.48
